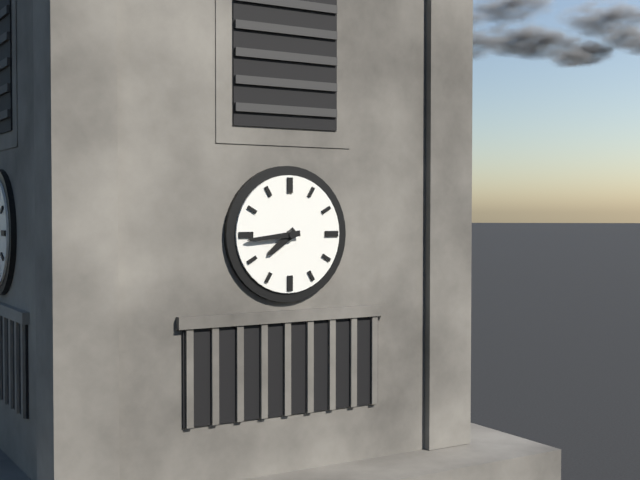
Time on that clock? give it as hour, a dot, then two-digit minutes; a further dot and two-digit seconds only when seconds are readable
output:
7.44
